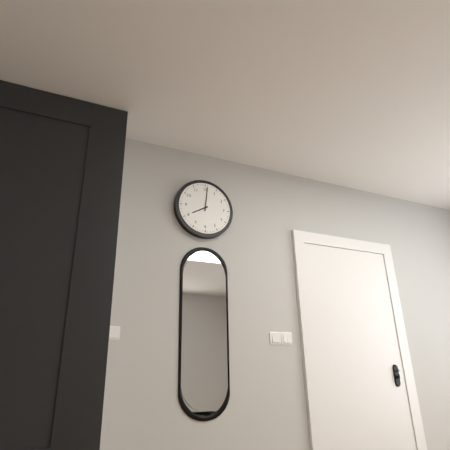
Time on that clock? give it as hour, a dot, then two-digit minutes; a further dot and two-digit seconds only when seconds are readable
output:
8.01
